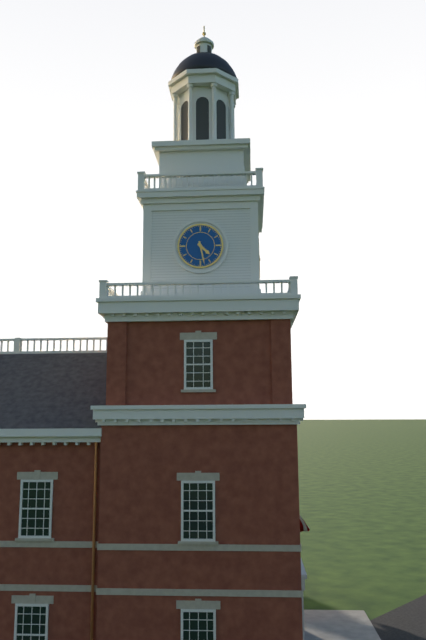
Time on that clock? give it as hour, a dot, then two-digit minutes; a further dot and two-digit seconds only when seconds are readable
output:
4.28
